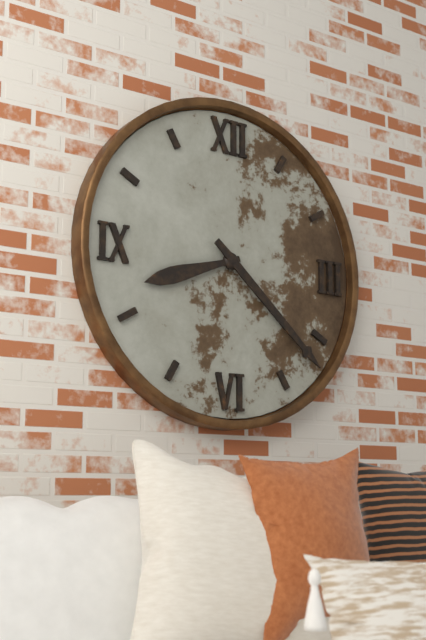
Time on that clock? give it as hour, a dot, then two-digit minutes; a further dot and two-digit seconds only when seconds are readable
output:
8.22
